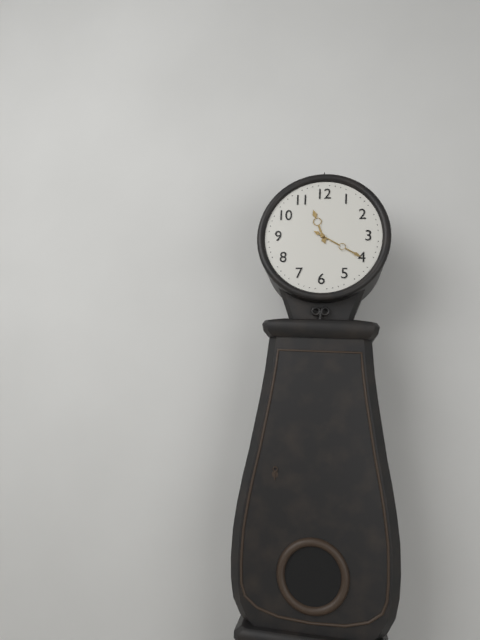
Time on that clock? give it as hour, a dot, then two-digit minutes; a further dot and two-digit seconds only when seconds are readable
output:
11.20
